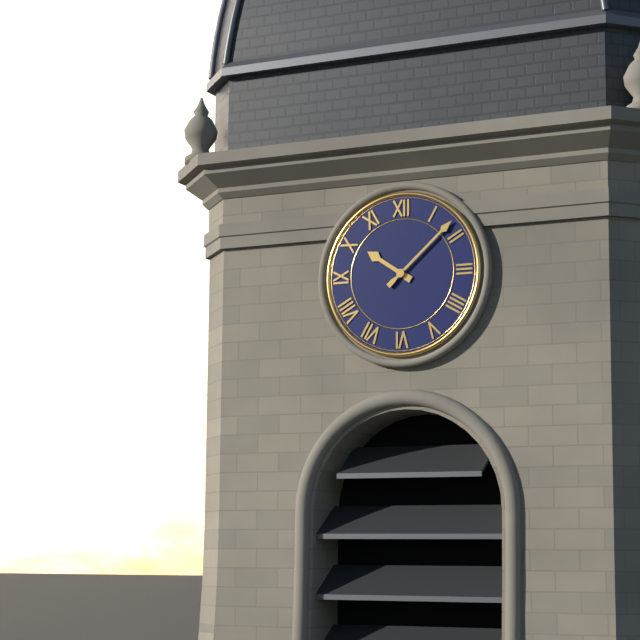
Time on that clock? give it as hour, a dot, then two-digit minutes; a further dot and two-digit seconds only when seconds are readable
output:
10.08
